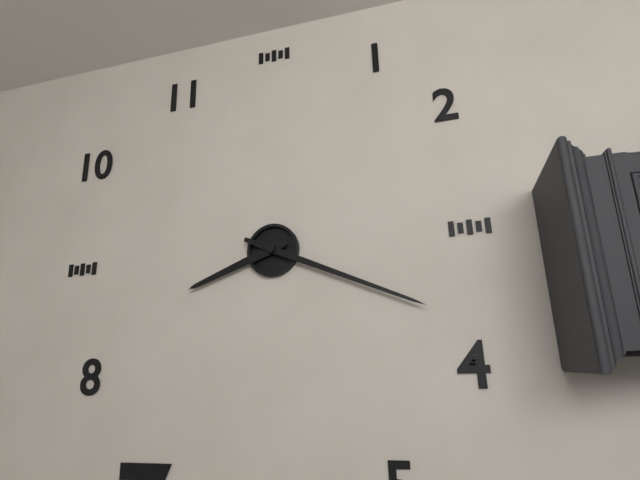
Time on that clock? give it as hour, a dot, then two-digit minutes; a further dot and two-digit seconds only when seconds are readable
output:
8.19
